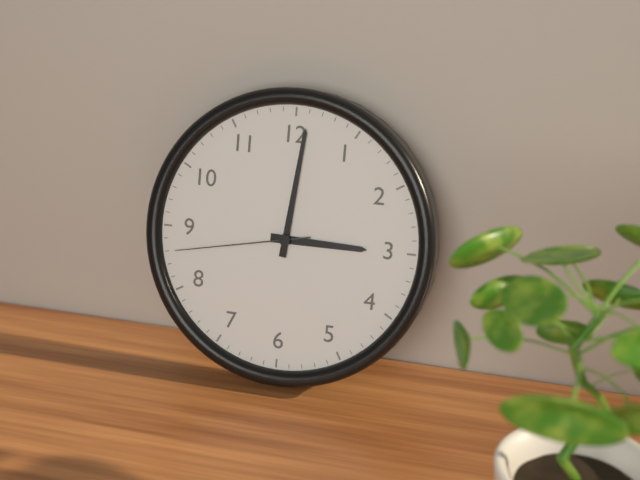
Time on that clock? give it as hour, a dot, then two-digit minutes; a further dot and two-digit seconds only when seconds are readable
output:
3.01.43
